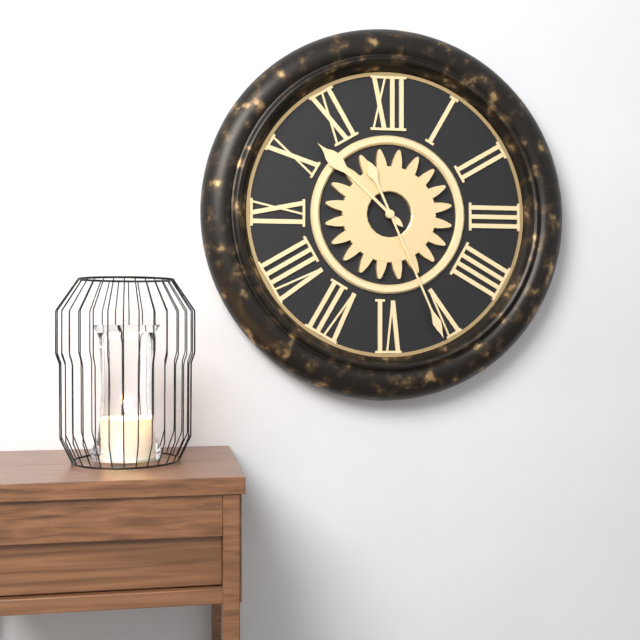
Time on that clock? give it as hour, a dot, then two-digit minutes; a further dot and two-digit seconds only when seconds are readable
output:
10.26
